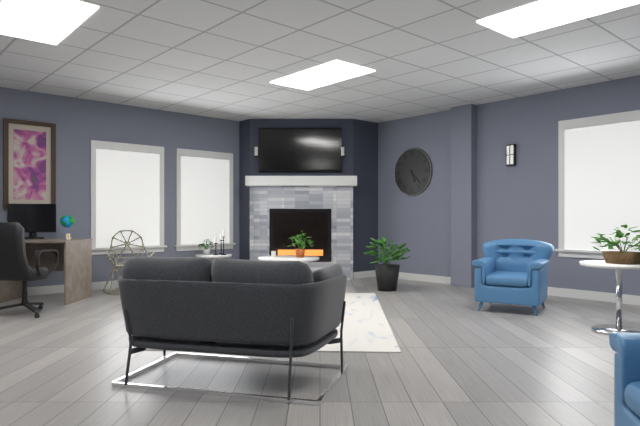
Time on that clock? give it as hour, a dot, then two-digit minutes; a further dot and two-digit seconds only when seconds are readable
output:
5.23
